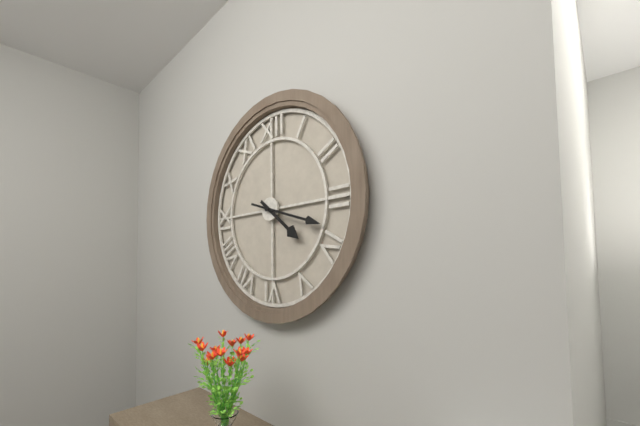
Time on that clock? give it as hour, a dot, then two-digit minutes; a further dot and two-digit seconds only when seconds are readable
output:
4.18
